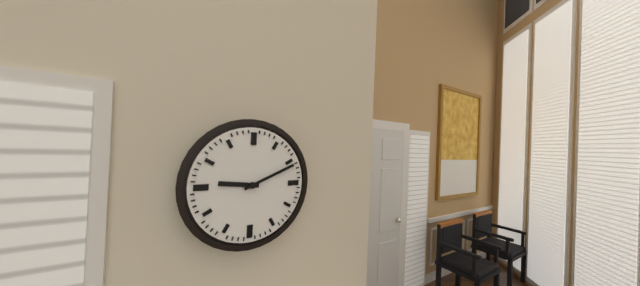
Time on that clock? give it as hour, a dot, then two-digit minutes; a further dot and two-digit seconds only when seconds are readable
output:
9.11
